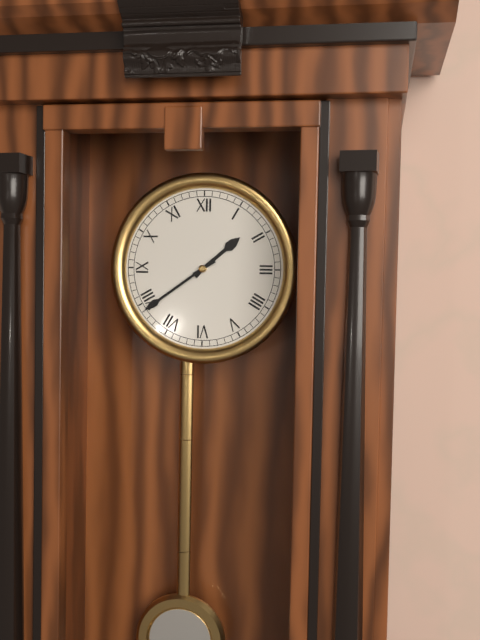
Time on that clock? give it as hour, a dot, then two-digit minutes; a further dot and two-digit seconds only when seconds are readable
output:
1.39
